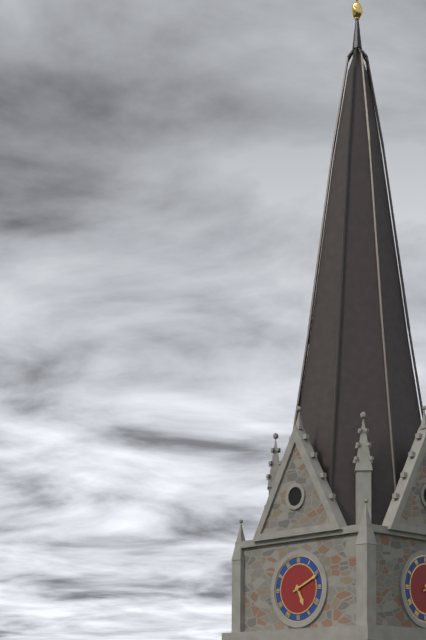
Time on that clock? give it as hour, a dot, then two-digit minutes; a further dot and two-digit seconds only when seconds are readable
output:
5.11
